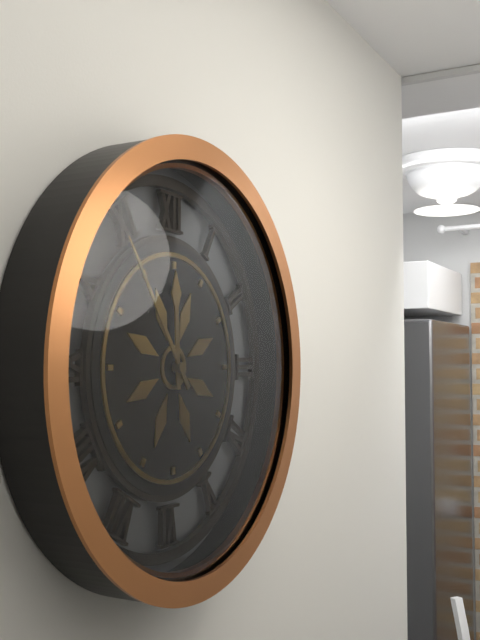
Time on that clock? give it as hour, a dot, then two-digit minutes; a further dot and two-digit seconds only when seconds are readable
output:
11.54
